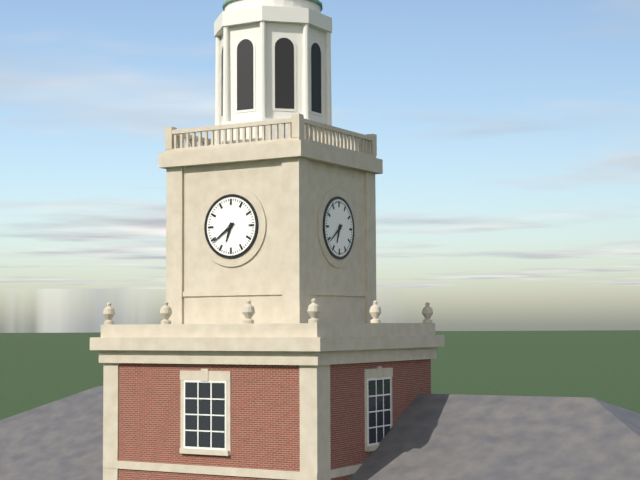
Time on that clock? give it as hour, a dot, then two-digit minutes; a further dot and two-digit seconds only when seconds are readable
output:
6.39
